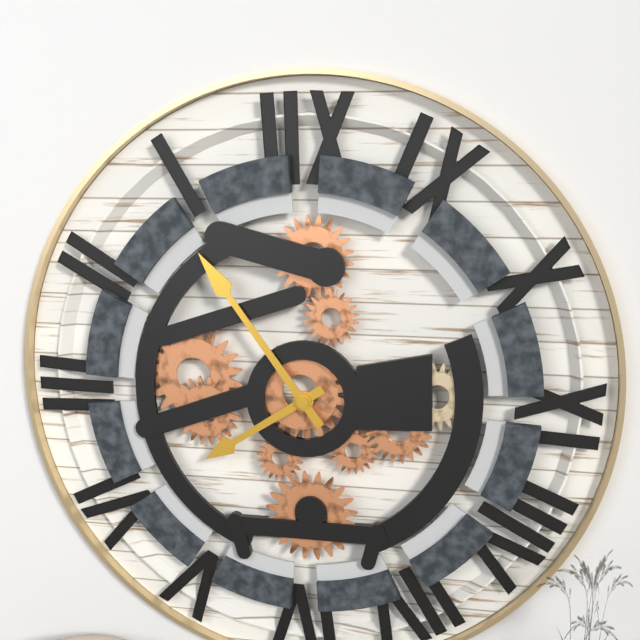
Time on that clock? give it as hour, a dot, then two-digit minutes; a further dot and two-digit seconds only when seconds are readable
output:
7.54
